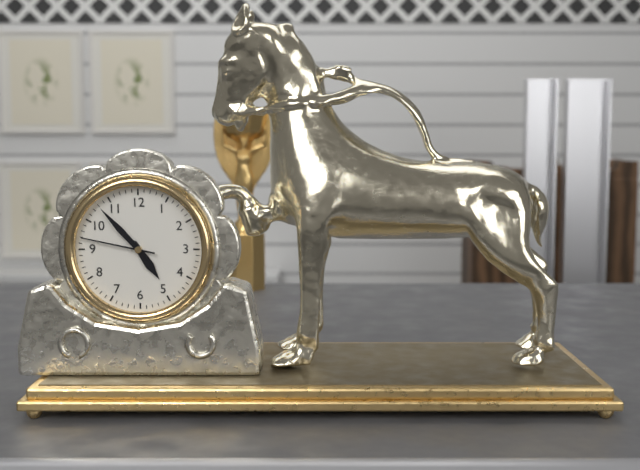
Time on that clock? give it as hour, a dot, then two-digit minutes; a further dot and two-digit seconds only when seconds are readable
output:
4.53.47
